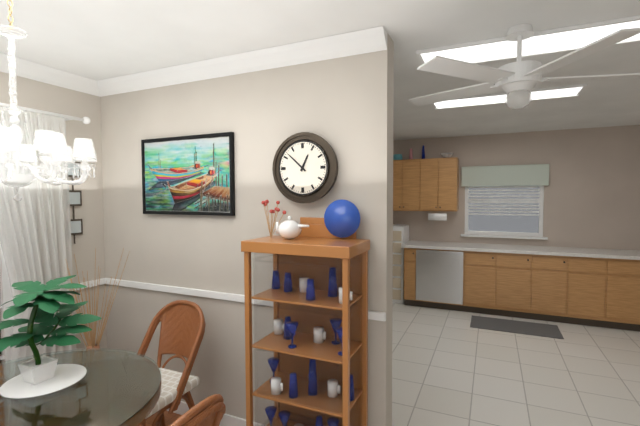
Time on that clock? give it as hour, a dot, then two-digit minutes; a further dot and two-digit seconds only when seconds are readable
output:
12.52
